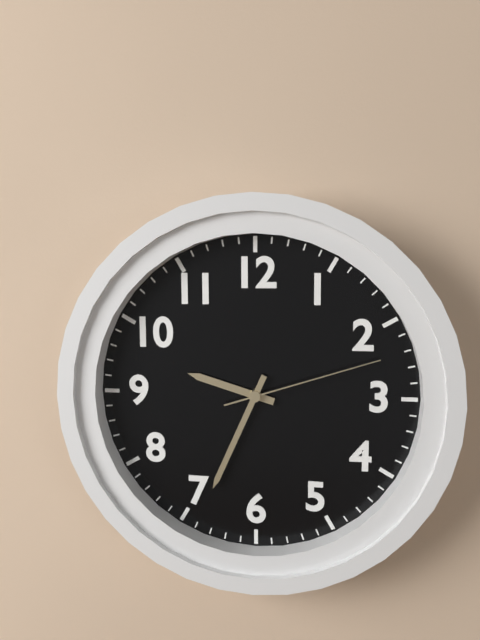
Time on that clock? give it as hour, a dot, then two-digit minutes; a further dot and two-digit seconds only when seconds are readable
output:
9.34.12
